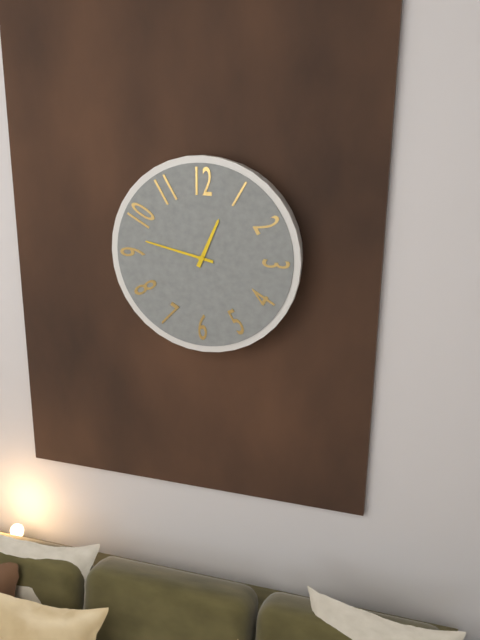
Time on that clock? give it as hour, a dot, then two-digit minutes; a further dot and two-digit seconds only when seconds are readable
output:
12.47
